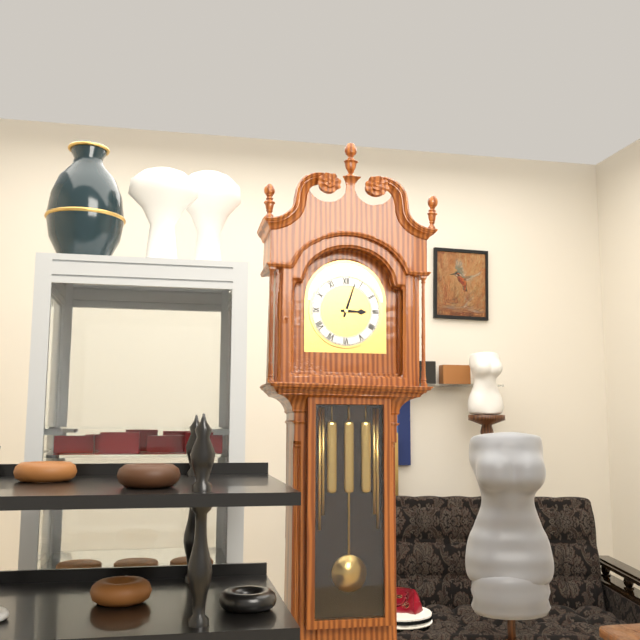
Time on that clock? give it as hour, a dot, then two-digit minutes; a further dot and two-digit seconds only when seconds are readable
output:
3.03
